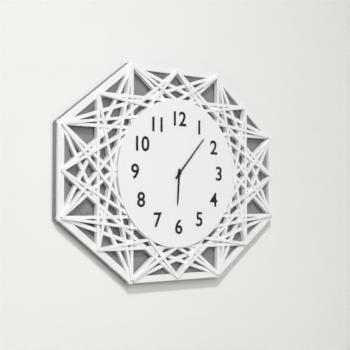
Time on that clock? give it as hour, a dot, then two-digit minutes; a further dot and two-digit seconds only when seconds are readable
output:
6.07
